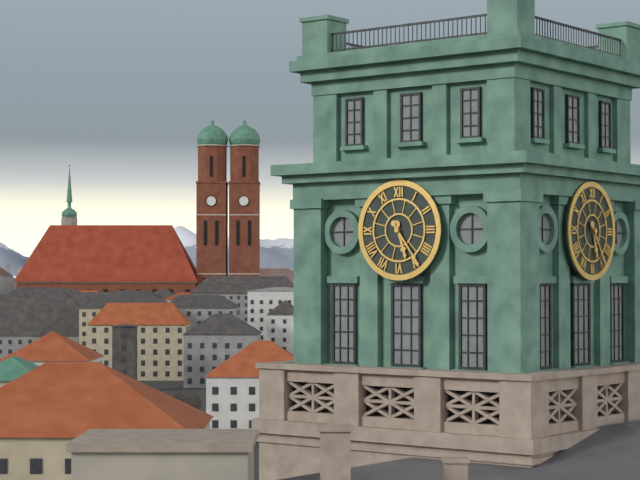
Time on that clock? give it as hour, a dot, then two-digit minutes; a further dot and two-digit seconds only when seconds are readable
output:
5.24
